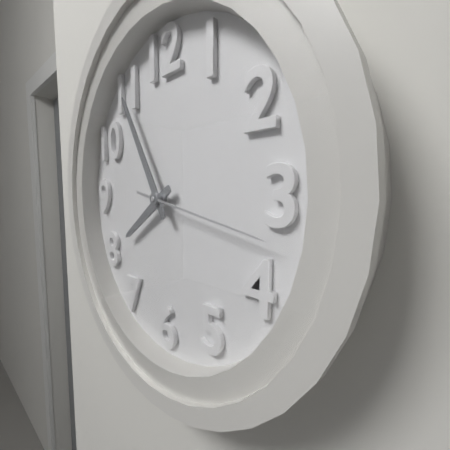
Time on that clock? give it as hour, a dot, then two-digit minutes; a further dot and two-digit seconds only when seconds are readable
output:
7.55.17
